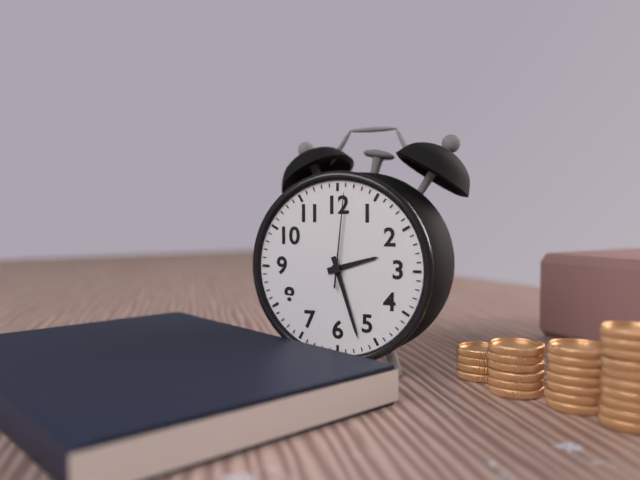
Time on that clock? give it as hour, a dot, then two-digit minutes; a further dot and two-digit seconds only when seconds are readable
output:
2.27.01
